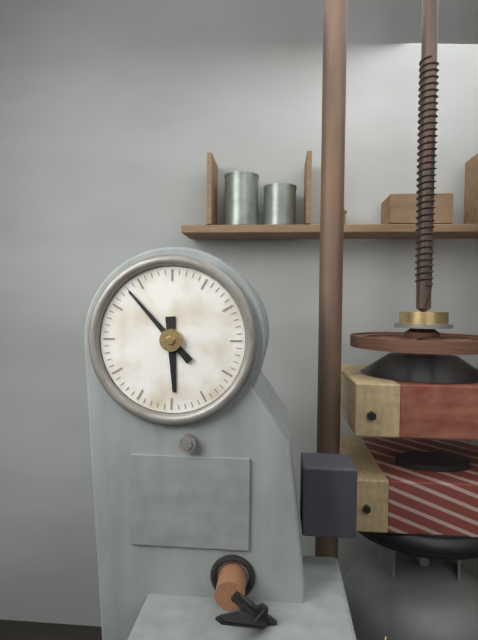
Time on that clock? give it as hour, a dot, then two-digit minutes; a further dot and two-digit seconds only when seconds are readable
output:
5.53
